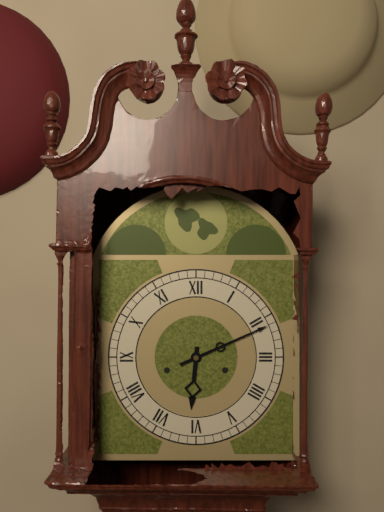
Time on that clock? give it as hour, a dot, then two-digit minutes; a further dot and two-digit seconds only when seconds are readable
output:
6.11
